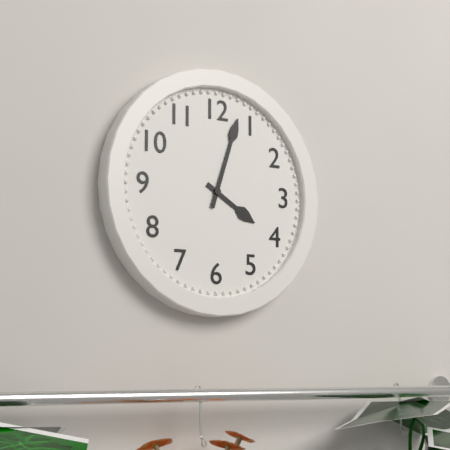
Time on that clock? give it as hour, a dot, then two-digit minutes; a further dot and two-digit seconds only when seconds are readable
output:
4.03
